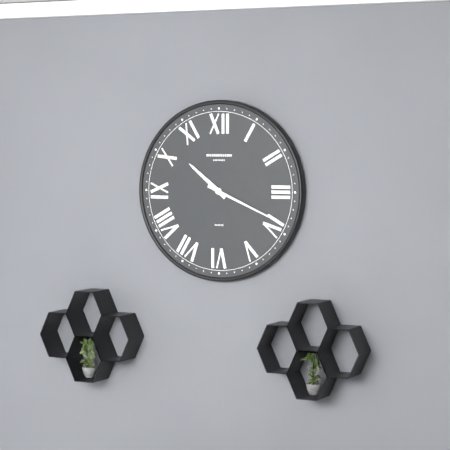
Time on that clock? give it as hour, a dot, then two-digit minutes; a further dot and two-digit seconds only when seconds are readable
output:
10.19
